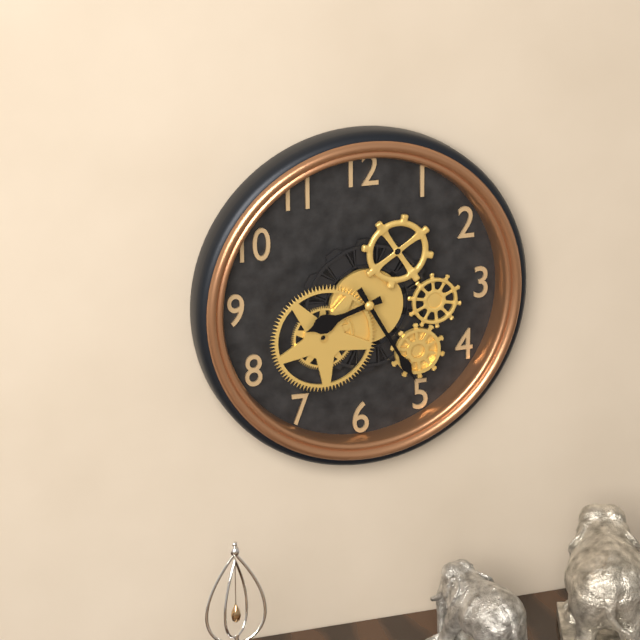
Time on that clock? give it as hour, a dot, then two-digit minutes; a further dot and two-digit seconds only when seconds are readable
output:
8.25
